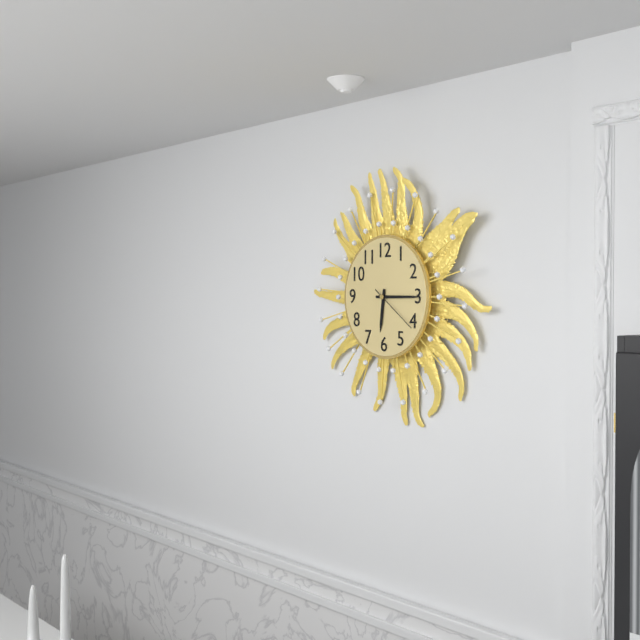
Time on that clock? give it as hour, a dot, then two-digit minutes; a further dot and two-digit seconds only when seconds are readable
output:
6.15.21
